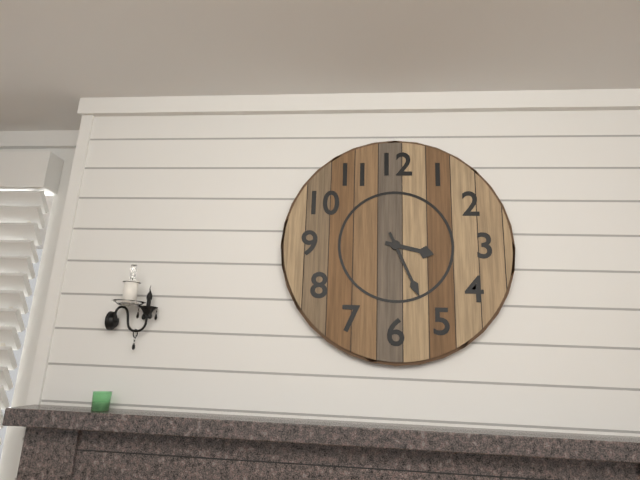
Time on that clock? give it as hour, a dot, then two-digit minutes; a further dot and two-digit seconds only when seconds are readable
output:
3.26
